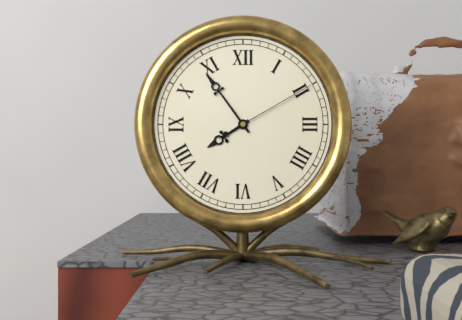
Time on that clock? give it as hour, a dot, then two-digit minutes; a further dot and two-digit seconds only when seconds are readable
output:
7.54.10
